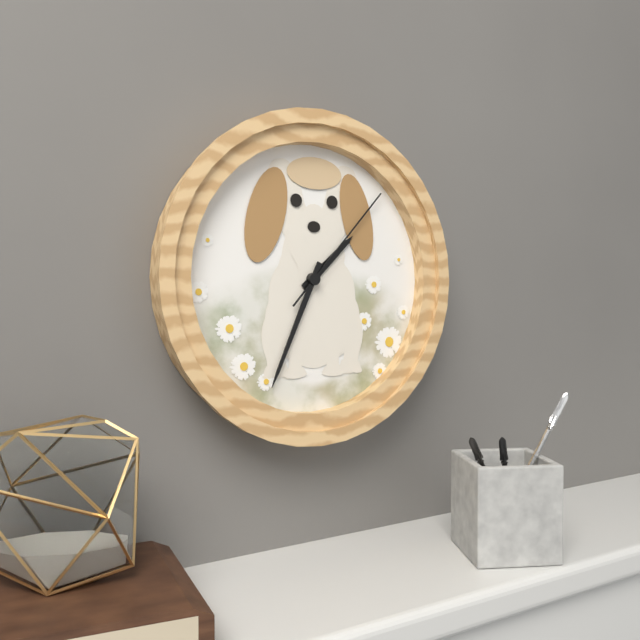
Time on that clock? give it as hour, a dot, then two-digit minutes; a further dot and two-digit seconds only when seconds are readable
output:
1.34.07
